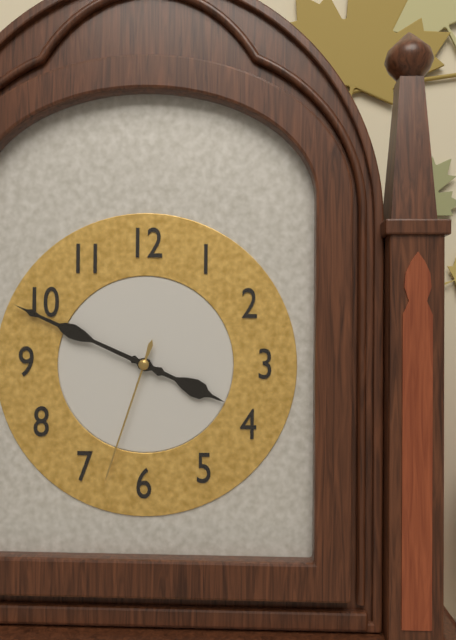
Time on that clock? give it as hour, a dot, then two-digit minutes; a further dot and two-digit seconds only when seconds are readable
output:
3.49.33
